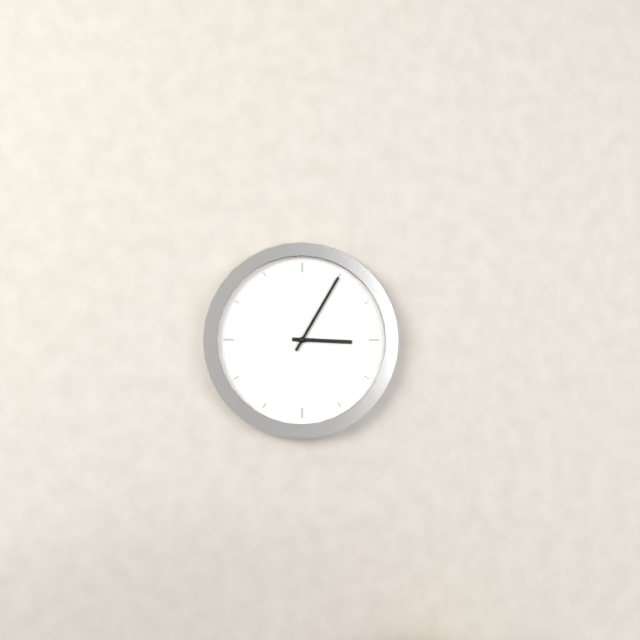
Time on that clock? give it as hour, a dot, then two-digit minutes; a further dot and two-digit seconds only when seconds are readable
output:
3.05
